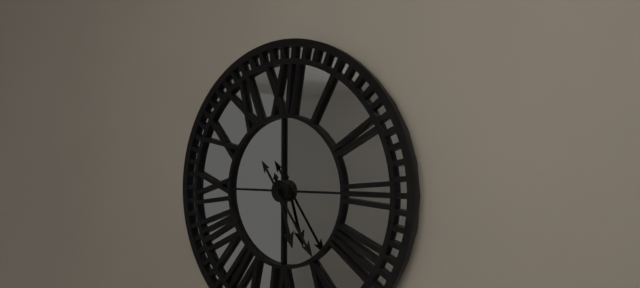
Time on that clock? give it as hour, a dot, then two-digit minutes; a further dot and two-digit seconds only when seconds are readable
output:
5.24
